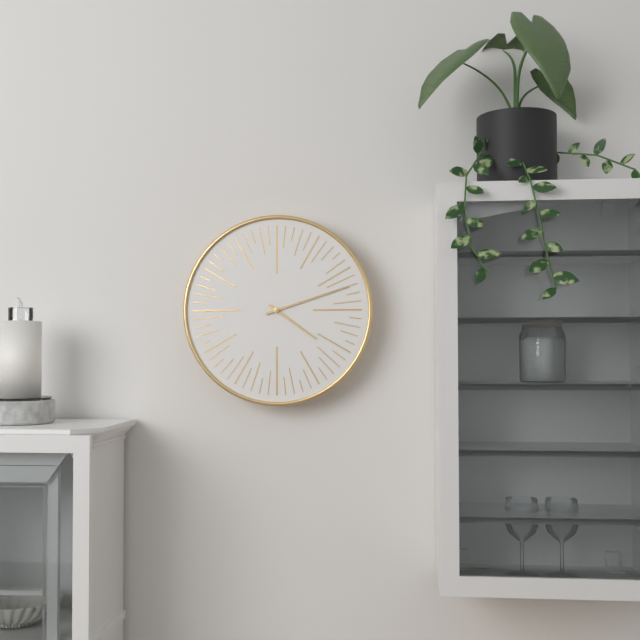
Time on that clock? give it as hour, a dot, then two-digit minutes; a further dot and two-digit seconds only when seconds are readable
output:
4.12
